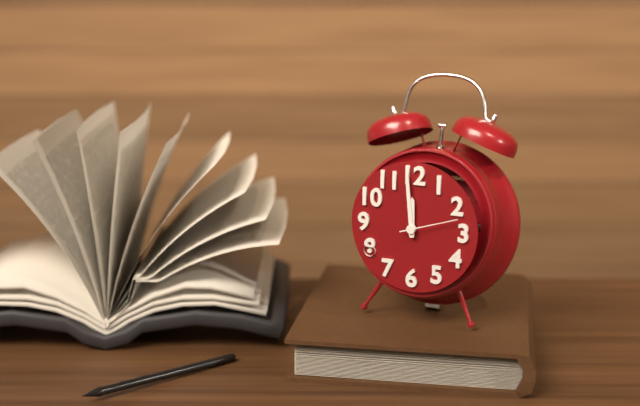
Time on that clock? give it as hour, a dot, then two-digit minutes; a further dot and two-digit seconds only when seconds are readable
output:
11.59.12
